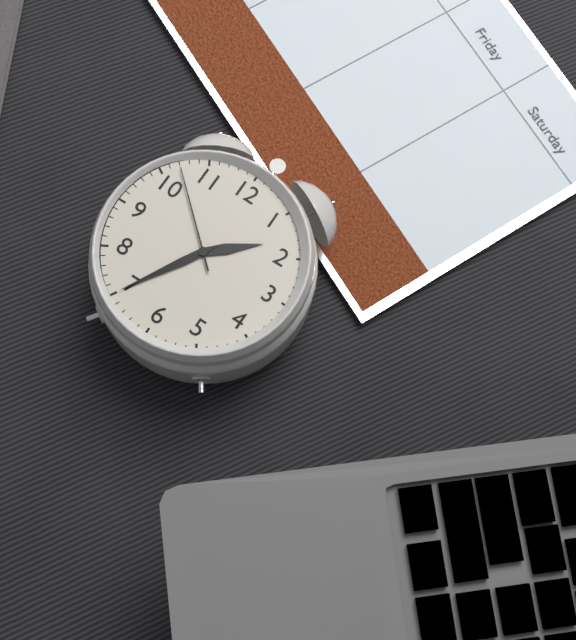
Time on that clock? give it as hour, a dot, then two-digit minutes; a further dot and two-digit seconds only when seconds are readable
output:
1.35.52
